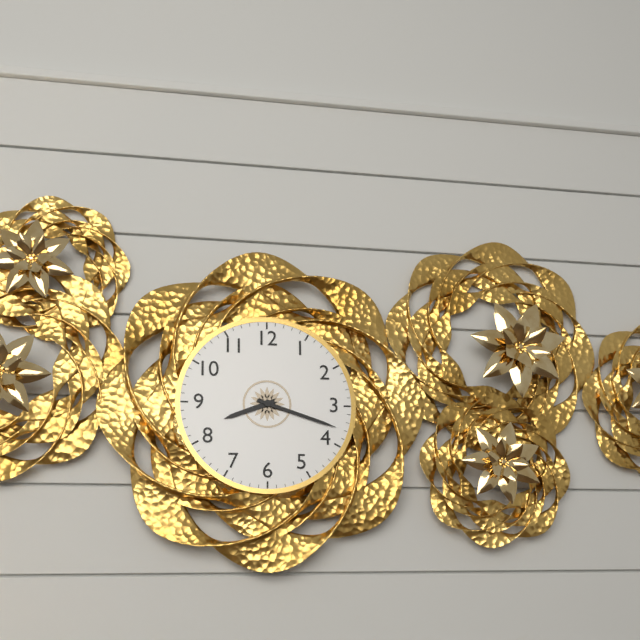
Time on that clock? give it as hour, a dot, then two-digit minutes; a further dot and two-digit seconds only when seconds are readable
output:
8.18
